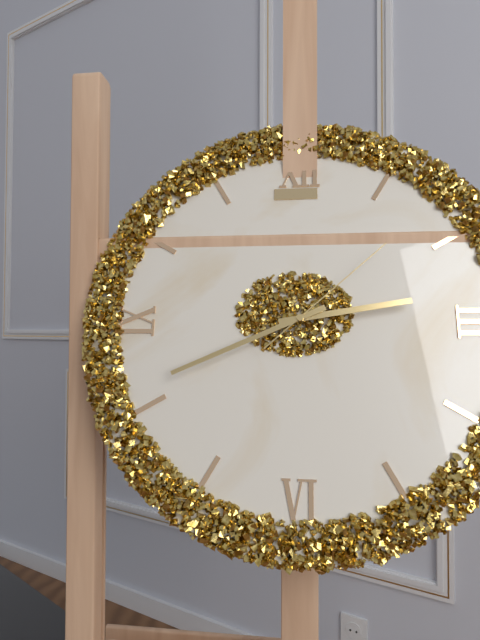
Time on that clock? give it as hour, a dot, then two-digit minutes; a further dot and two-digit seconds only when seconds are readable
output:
2.41.08
